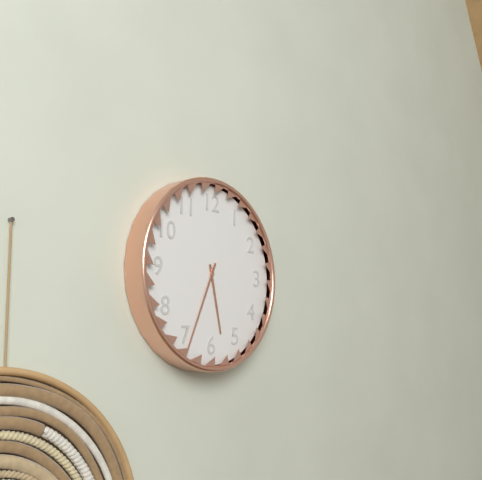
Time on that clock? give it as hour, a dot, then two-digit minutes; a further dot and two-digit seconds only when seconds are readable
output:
5.34
